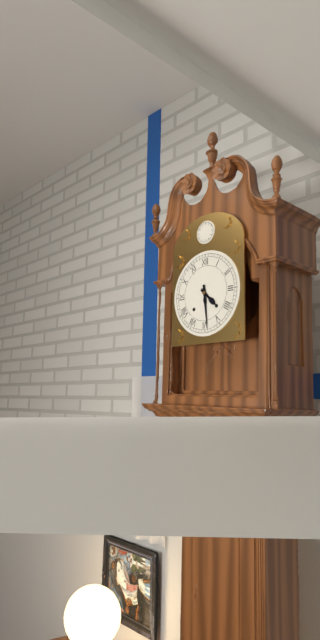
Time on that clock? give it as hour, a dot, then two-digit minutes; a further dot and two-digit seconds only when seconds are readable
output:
4.29
